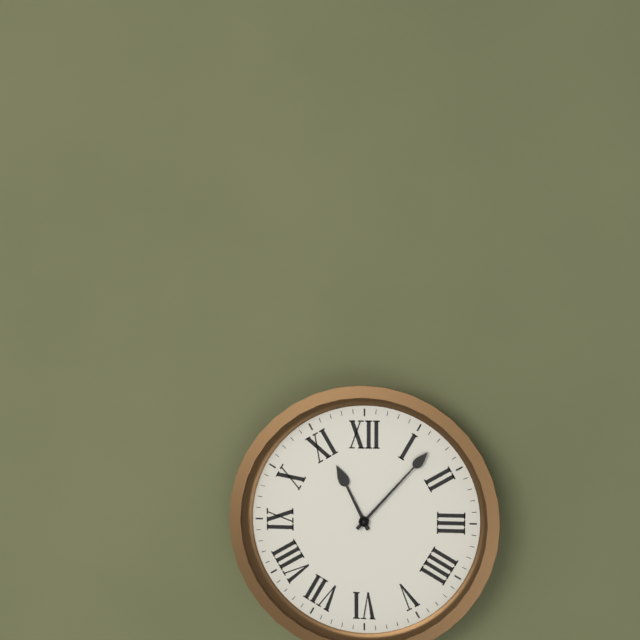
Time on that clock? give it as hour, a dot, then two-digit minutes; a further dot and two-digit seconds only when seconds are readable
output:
11.07
